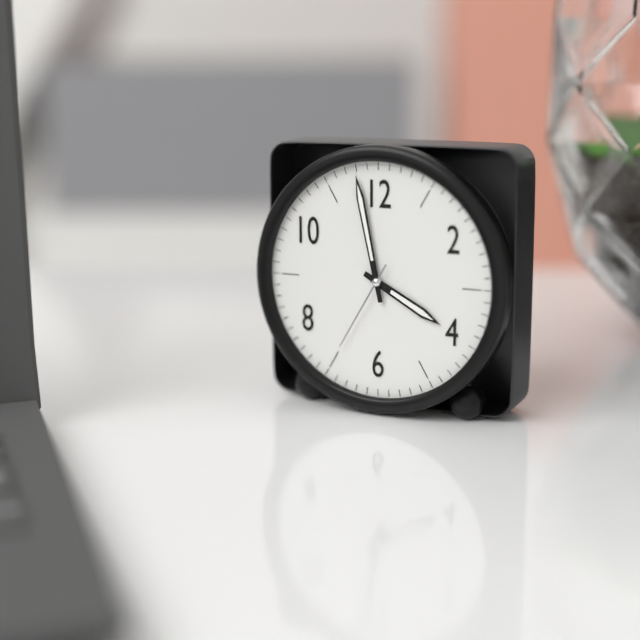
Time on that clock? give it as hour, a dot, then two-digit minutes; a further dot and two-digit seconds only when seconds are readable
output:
3.58.35
